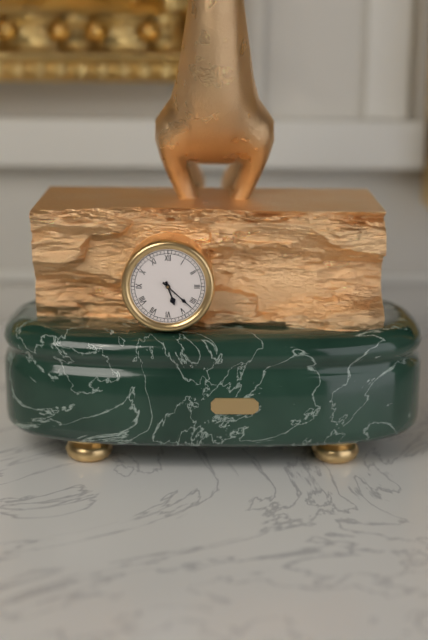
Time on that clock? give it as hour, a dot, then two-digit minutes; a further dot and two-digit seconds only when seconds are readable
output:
5.22
